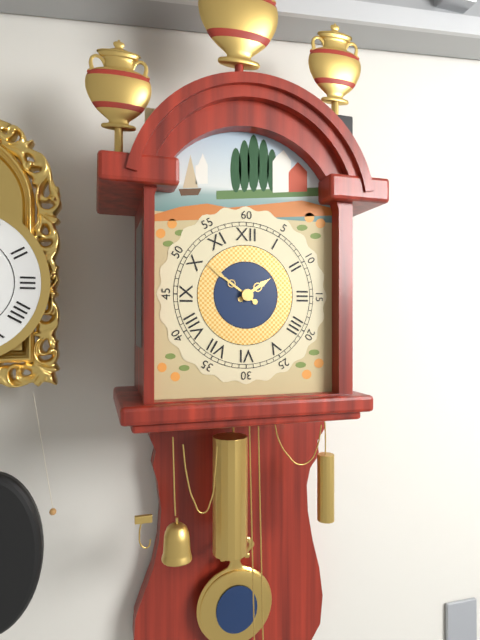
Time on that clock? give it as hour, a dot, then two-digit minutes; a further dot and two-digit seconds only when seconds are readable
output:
1.51
